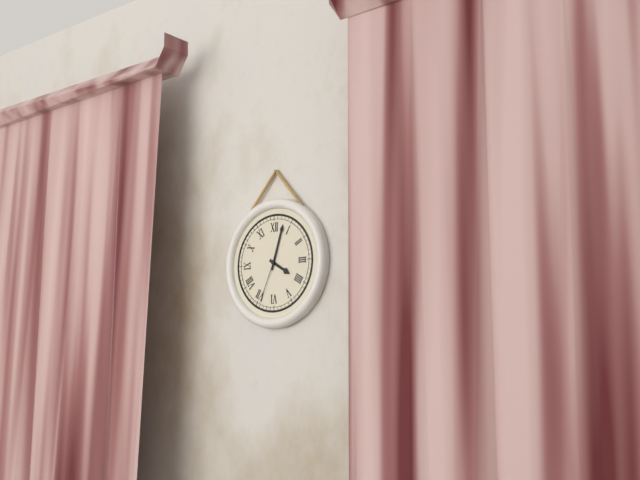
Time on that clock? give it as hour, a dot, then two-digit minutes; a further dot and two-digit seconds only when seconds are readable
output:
4.03.34
